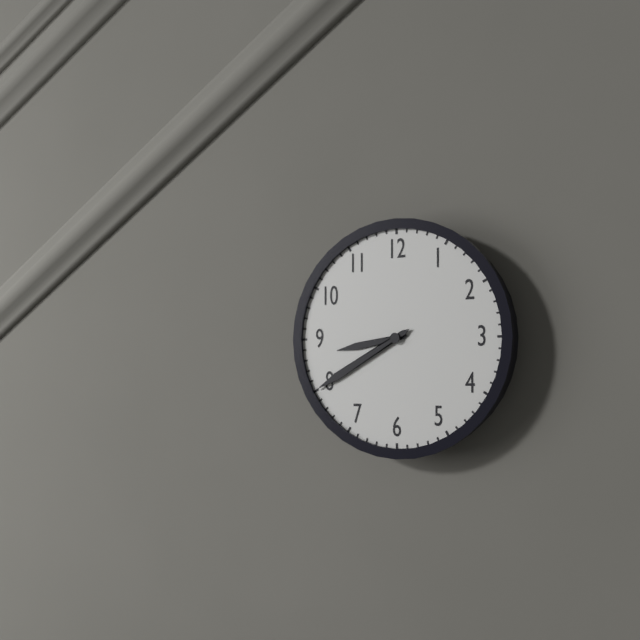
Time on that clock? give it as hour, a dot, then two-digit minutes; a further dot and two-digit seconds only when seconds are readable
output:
8.40
